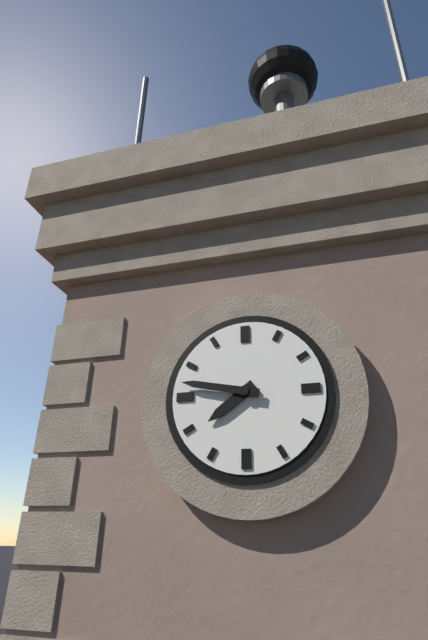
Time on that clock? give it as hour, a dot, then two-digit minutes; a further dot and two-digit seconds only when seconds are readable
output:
7.47
